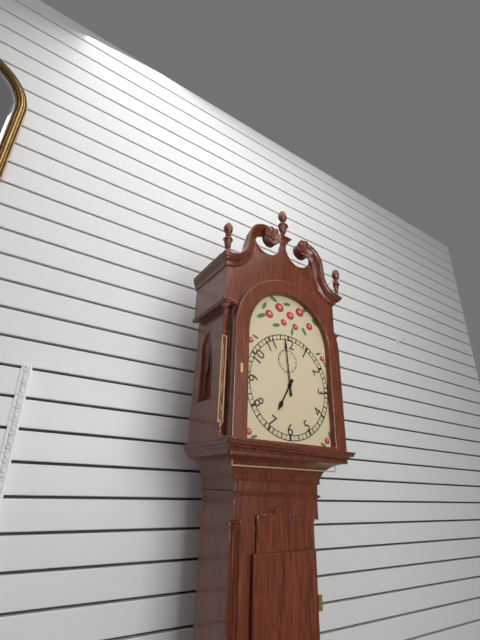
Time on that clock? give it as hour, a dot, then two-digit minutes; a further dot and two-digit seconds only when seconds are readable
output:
6.59
